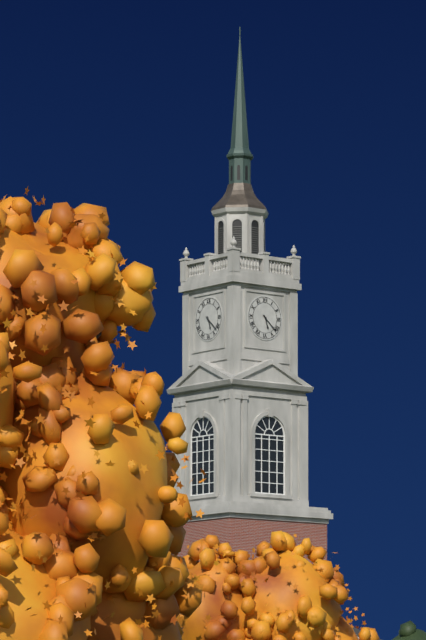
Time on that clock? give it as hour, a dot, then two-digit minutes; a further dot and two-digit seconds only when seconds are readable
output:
5.22
